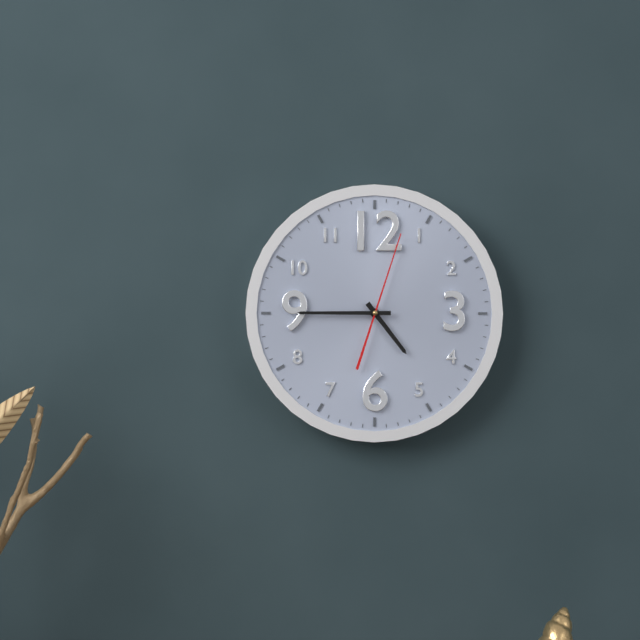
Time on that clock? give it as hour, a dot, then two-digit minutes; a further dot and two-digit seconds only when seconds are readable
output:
4.45.03
